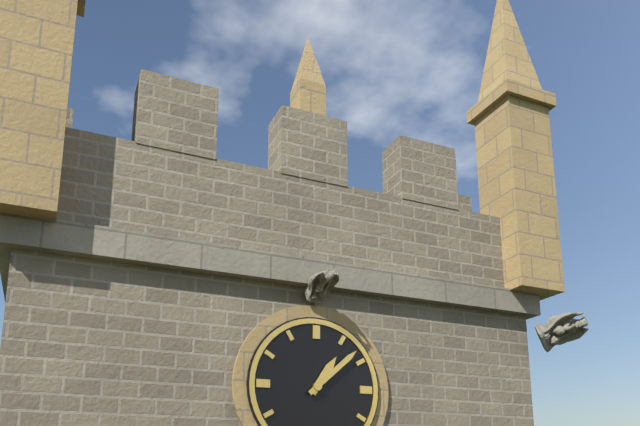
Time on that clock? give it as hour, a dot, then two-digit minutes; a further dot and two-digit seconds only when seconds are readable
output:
1.08
